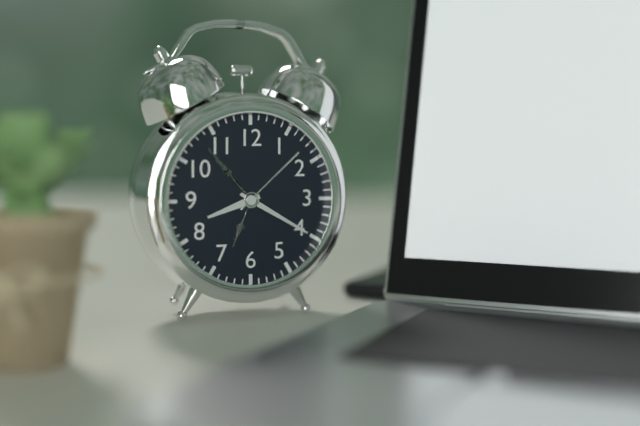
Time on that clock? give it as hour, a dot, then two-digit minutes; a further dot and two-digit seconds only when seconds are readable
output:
8.20
